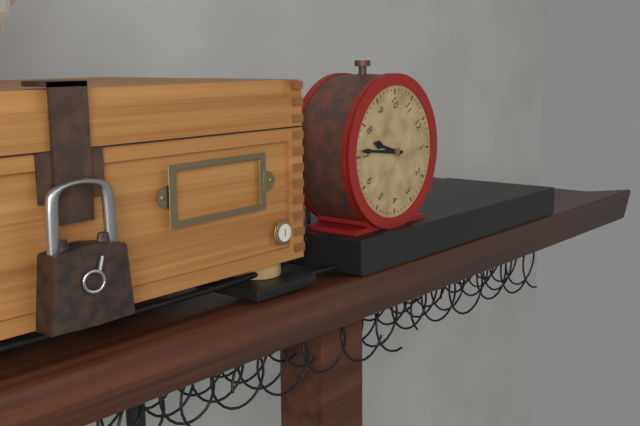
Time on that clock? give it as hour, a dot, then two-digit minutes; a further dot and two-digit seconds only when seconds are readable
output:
7.36
